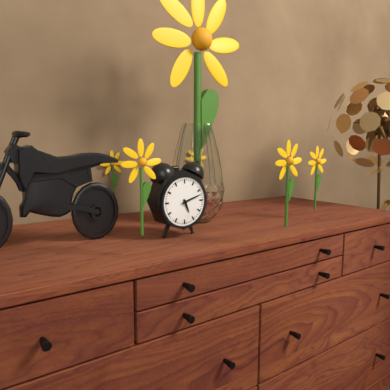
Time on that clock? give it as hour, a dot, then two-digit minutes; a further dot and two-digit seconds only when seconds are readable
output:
5.12
